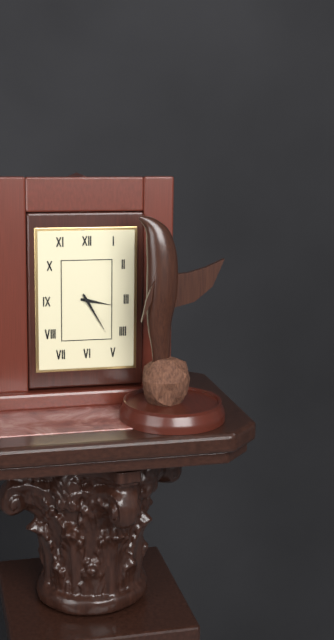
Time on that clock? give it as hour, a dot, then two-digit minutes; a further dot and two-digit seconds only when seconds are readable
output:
3.25
